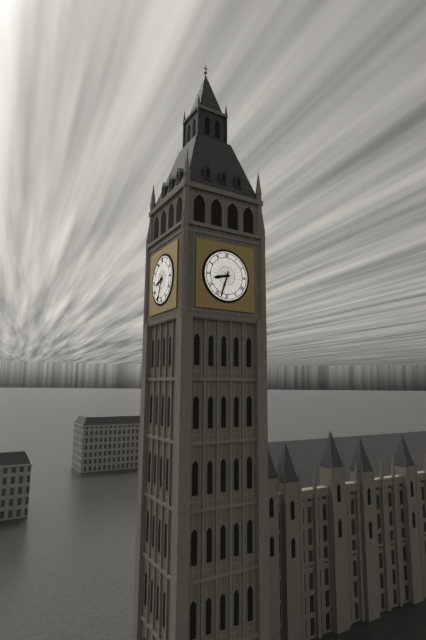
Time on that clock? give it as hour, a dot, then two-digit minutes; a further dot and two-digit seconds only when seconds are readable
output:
8.33
